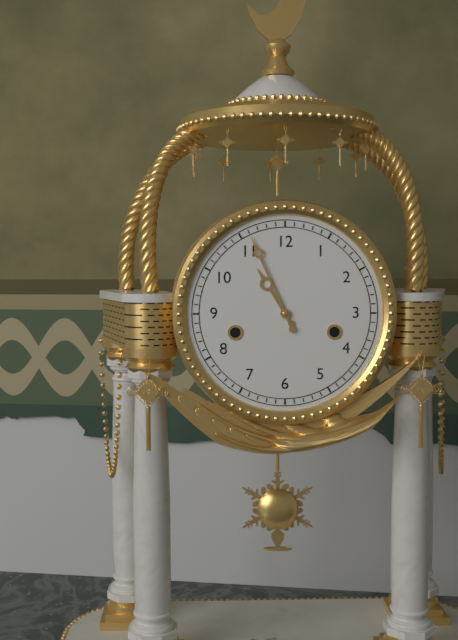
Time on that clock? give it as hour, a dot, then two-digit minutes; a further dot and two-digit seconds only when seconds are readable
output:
10.56
